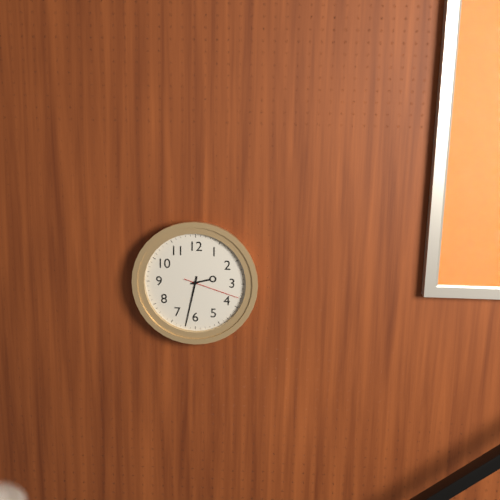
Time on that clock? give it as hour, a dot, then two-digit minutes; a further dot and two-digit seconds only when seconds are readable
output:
2.32.18
